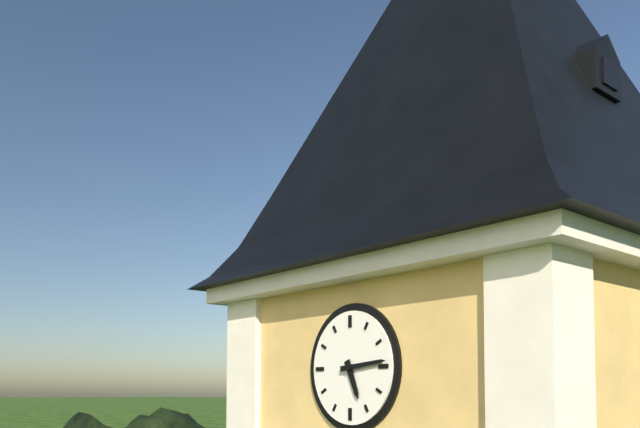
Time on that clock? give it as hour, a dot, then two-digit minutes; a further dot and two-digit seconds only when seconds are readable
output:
5.14
